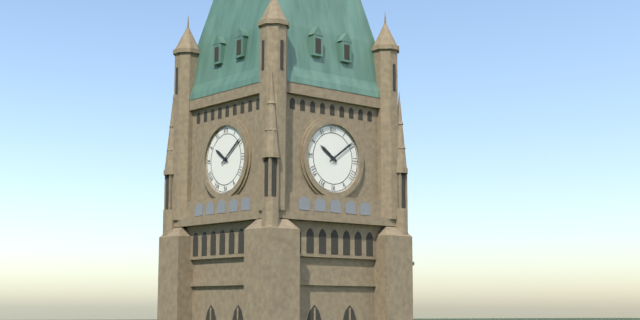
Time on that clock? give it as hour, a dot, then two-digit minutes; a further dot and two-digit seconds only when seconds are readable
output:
10.09
